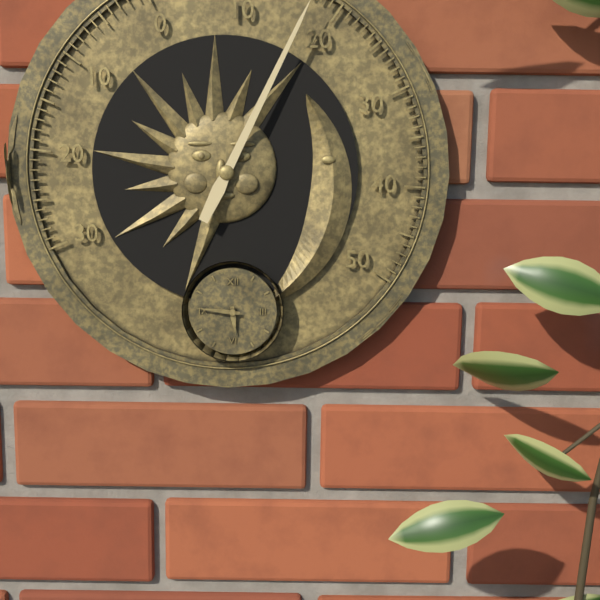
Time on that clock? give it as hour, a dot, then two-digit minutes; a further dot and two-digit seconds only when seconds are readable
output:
5.46
